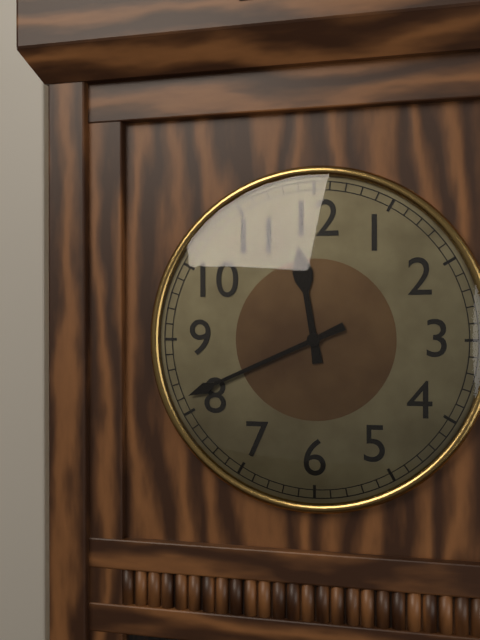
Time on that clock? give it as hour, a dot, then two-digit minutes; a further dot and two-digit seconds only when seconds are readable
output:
11.41
